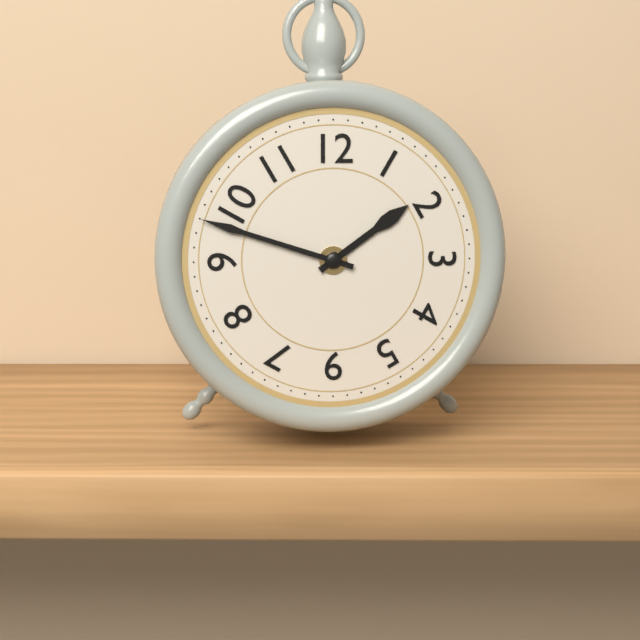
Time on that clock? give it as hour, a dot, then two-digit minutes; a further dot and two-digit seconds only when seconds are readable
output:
1.48
